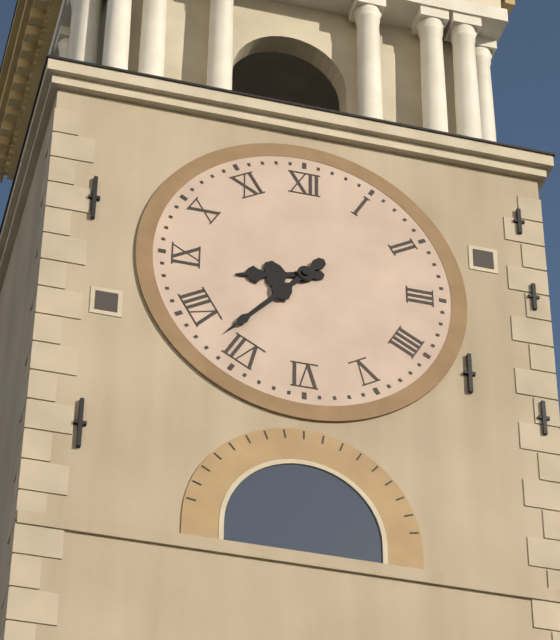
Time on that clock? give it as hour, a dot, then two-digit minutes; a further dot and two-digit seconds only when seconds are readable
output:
8.37
